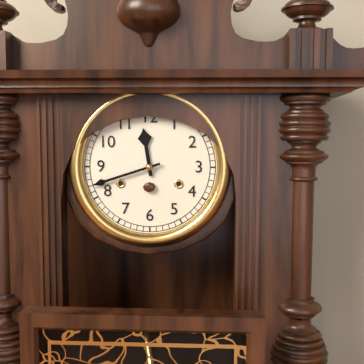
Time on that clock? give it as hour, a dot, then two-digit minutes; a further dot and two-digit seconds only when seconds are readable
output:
11.42
